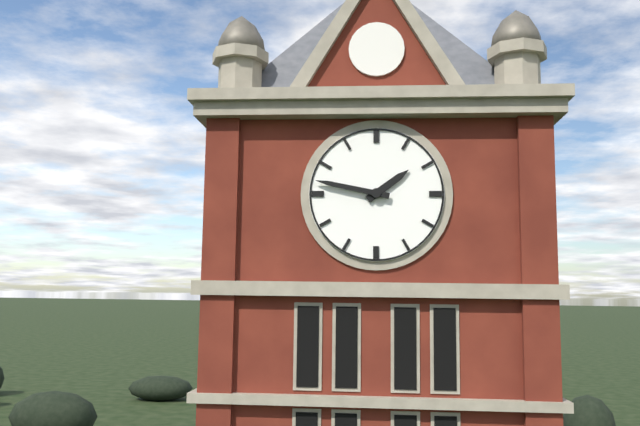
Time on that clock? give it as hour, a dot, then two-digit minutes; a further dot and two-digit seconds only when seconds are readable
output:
1.47
